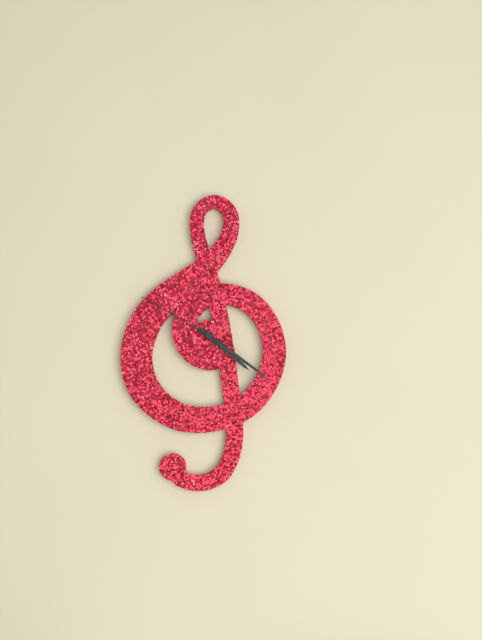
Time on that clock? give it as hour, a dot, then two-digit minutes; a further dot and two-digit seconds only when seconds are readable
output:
4.21.50
